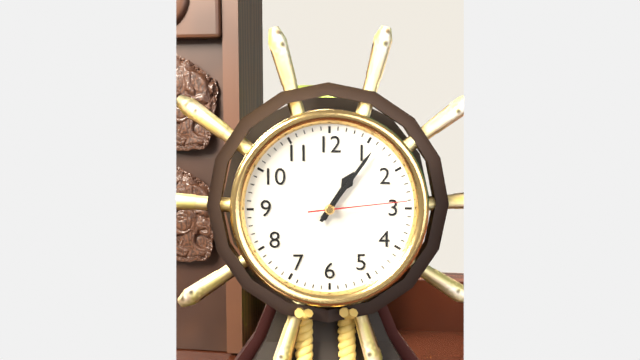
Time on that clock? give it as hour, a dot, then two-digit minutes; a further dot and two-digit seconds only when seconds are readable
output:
1.06.14
